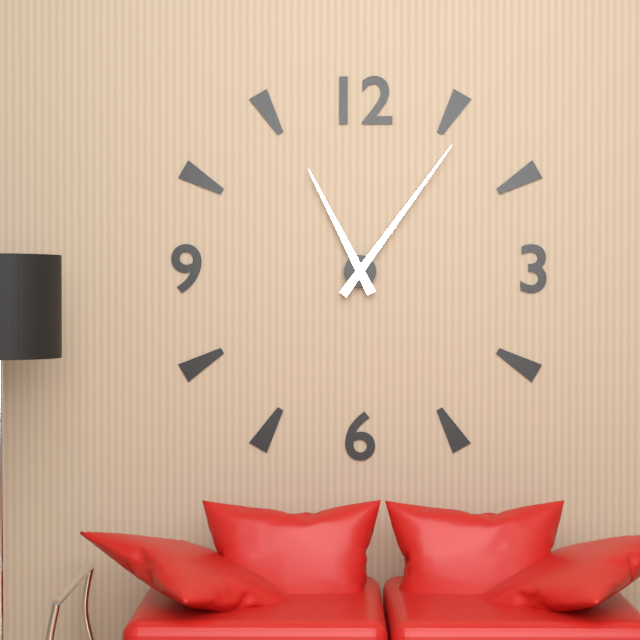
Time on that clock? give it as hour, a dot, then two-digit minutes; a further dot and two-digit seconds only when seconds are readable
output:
11.06
